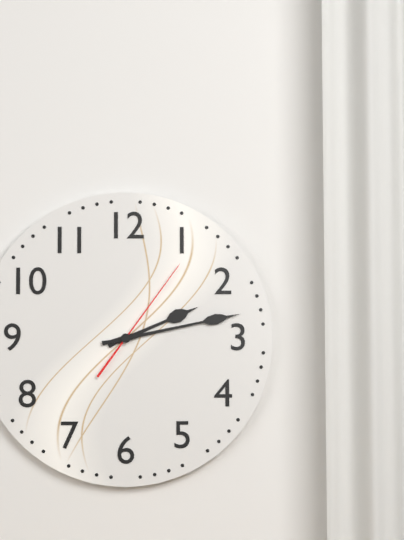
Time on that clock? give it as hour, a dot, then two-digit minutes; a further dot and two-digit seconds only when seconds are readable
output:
2.13.06
